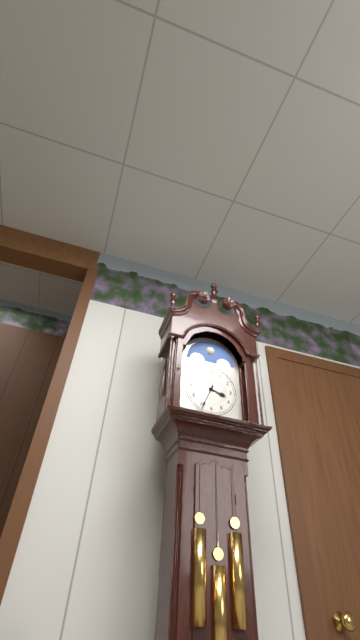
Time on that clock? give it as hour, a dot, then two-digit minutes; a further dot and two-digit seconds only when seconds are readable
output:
3.34
